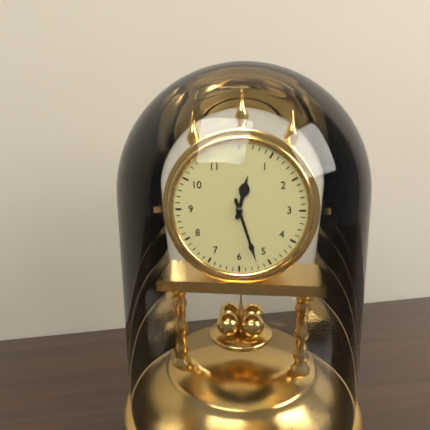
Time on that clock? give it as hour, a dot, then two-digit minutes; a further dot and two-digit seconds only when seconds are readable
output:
12.27
